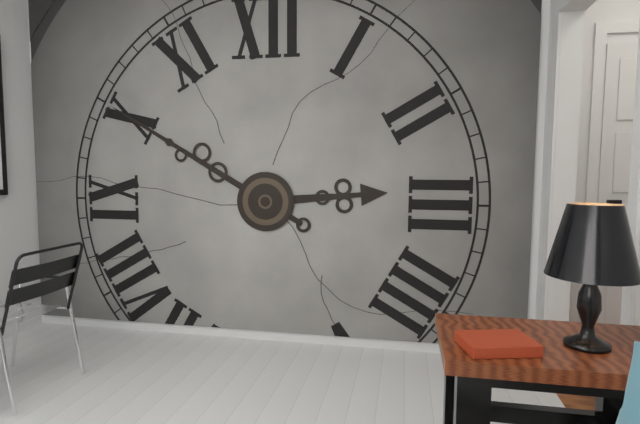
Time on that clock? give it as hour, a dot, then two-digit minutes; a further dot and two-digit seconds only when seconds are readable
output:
2.50
